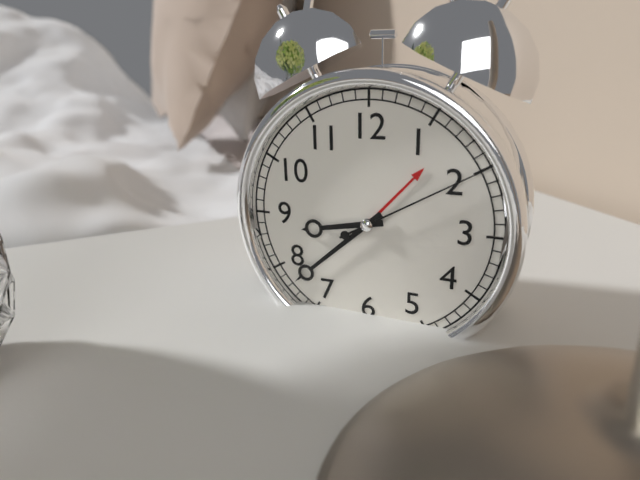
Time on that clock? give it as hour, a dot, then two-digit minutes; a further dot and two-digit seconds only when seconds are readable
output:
8.38.10
